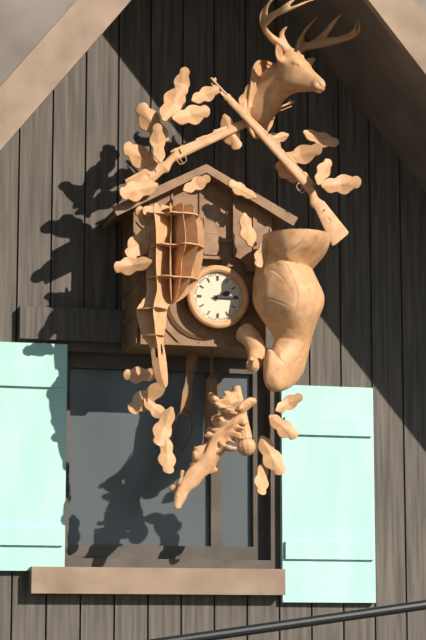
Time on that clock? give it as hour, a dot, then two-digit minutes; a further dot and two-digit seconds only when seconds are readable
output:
2.15
